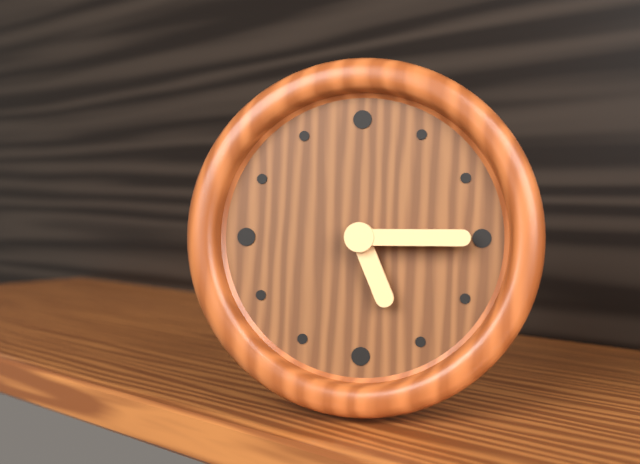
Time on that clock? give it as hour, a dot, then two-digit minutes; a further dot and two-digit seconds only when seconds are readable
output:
5.15
